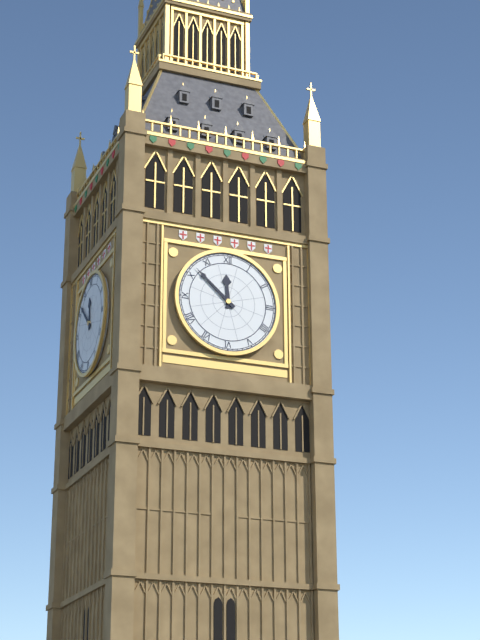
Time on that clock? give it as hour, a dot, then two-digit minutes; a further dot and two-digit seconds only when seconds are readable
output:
11.52
